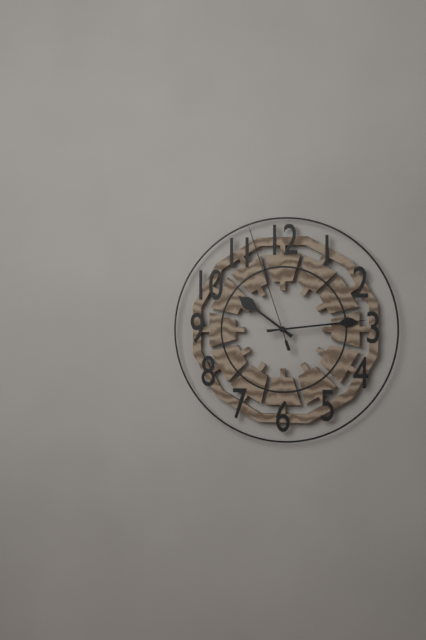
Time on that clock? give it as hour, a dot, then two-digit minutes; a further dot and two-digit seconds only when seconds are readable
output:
10.14.57
